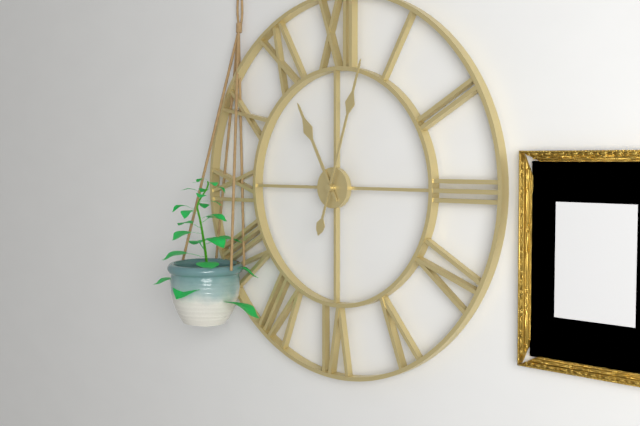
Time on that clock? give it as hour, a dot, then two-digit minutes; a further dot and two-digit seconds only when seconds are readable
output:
11.03
